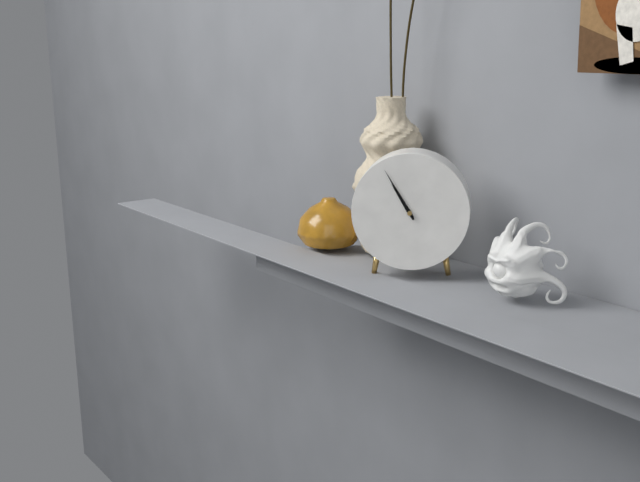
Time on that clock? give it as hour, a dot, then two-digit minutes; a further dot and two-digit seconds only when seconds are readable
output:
10.55
